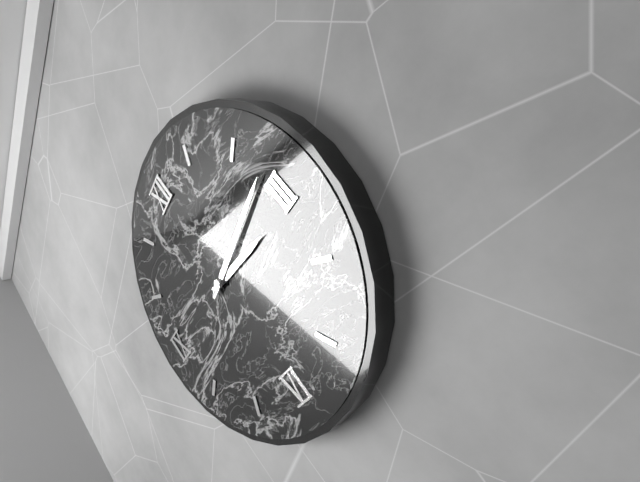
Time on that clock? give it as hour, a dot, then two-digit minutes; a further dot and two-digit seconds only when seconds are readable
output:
3.13
